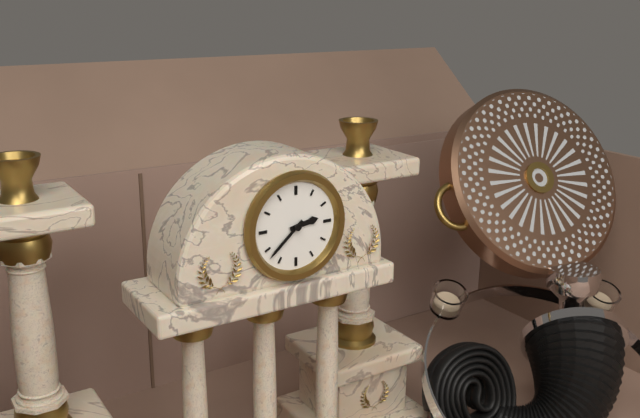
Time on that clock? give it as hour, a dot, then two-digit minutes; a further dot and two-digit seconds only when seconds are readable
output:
2.38
